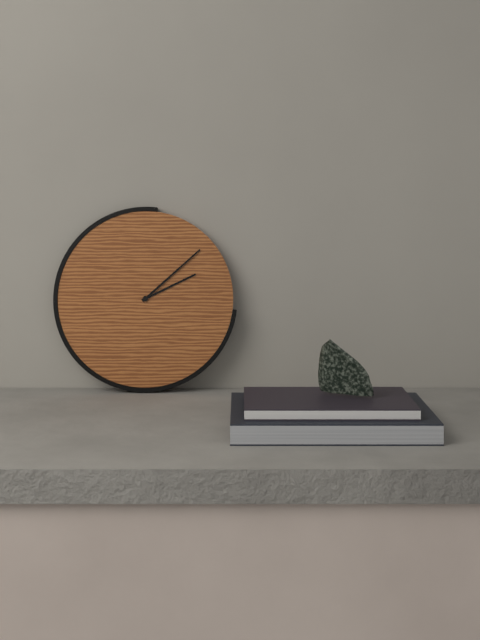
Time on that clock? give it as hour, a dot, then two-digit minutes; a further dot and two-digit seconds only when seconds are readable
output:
2.08
